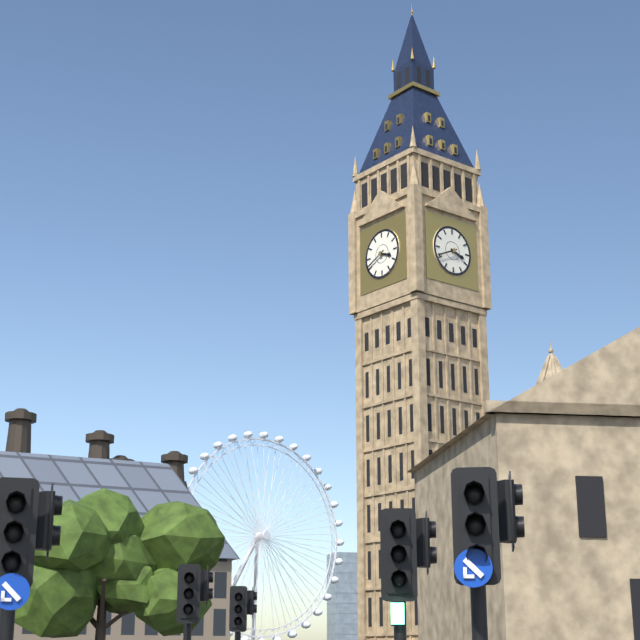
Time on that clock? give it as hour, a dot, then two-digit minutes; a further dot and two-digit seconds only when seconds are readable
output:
3.41
